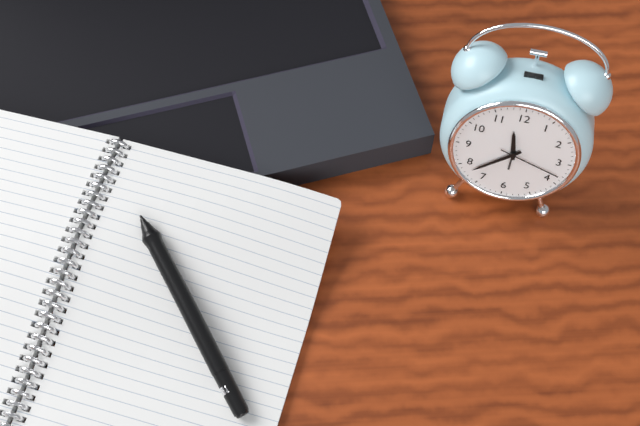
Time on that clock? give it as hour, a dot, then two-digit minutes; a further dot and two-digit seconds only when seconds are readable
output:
11.38.18
